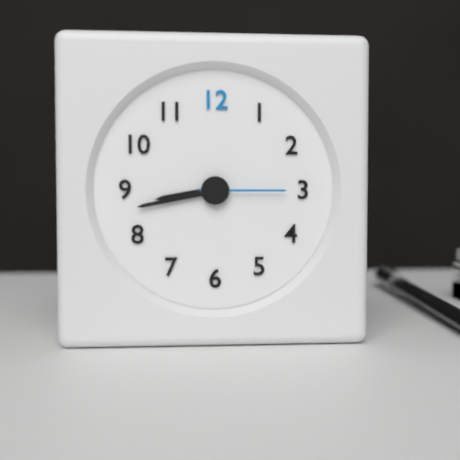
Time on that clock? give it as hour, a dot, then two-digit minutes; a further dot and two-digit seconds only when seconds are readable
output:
8.43.15
